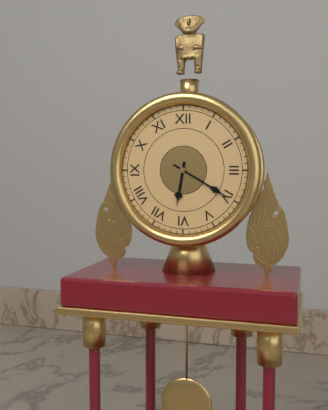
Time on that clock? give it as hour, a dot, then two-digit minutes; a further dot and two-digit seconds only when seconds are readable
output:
6.20
